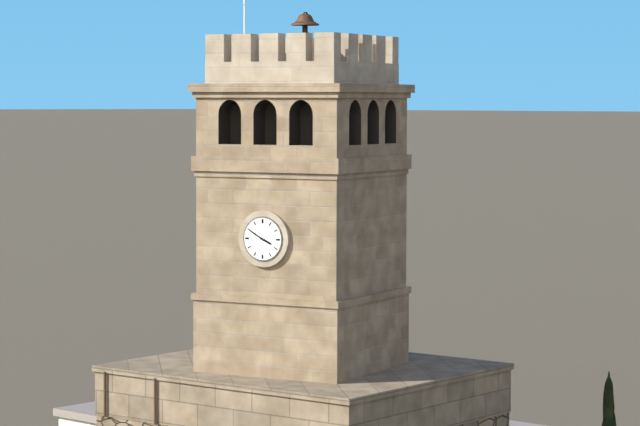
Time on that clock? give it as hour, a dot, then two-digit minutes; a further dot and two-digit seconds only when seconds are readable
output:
3.50
